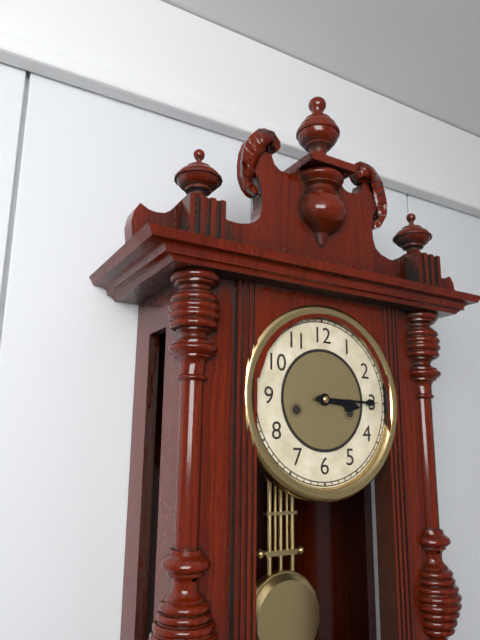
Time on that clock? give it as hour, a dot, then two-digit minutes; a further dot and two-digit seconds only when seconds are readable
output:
3.15
